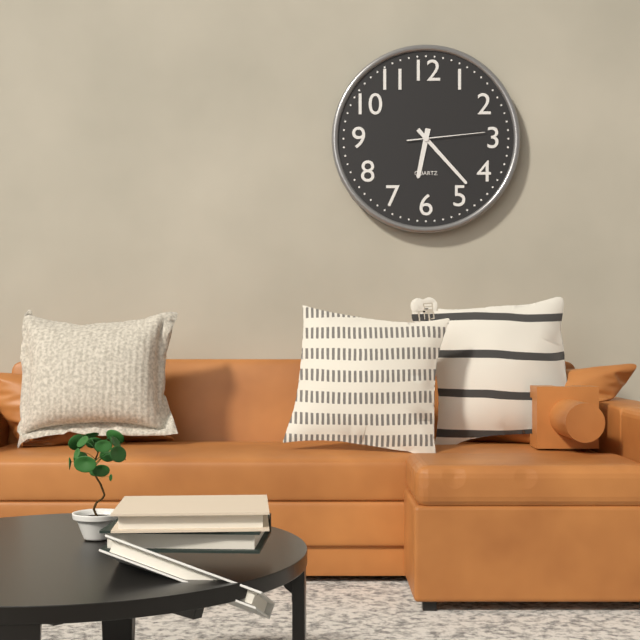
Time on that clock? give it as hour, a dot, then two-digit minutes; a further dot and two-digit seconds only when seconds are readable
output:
6.23.14
